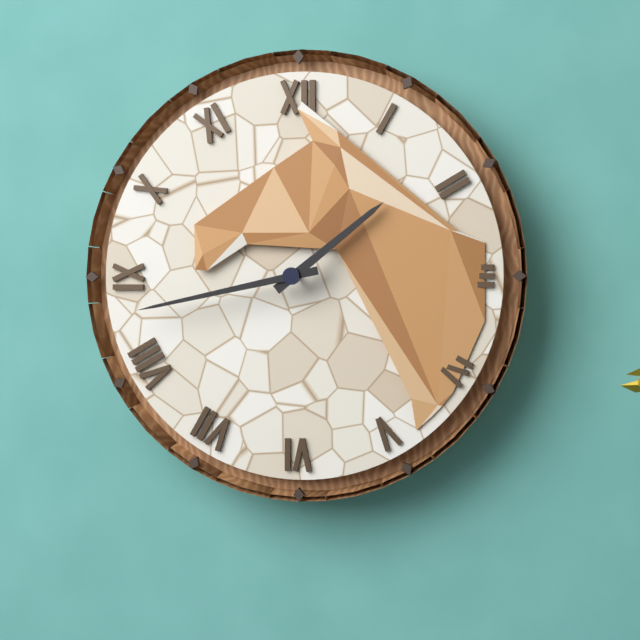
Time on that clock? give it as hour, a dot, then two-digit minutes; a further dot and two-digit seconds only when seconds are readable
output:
1.43
